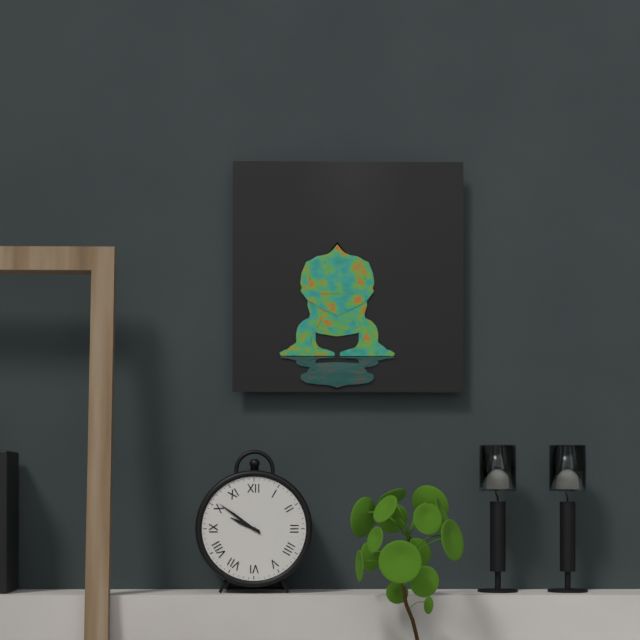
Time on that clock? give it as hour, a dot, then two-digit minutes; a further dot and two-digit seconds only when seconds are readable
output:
9.51
